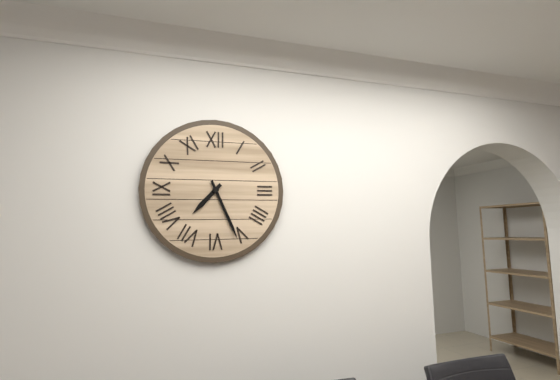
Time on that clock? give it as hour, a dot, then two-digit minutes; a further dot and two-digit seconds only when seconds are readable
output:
7.26
